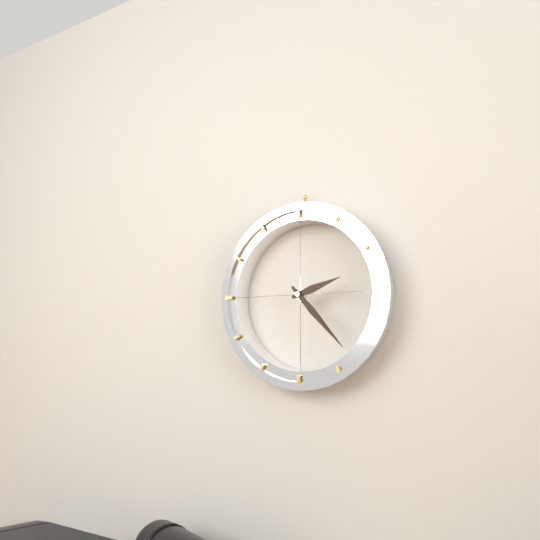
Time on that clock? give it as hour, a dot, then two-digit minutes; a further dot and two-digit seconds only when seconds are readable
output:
2.23
